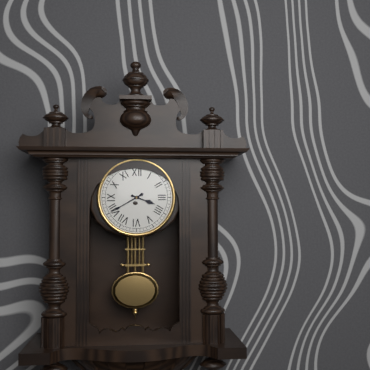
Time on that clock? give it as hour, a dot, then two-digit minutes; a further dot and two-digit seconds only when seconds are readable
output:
3.40
